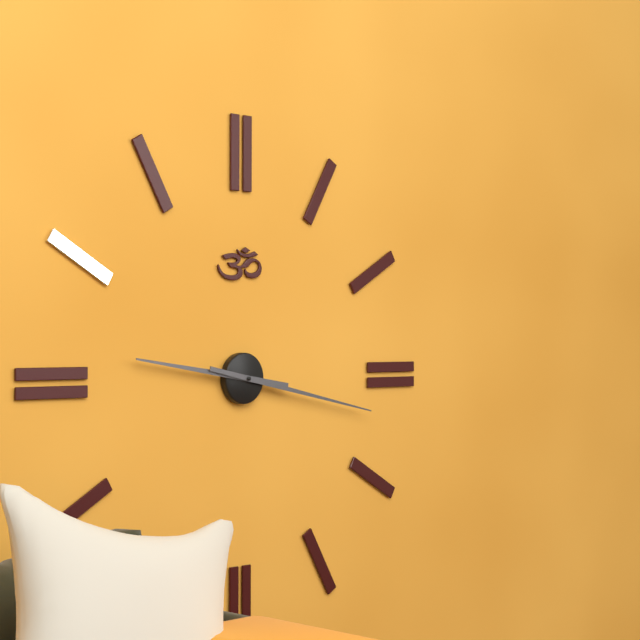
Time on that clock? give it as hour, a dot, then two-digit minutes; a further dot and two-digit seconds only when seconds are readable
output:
9.17
